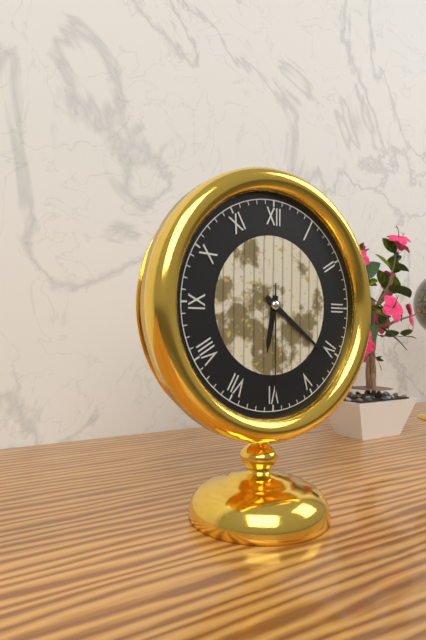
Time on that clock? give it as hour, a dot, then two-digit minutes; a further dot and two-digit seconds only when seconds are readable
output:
6.21.30
